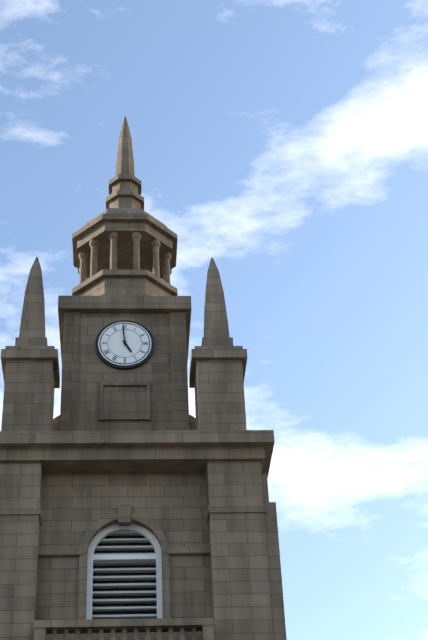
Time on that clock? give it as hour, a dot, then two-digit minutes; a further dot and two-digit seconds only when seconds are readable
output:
4.59
